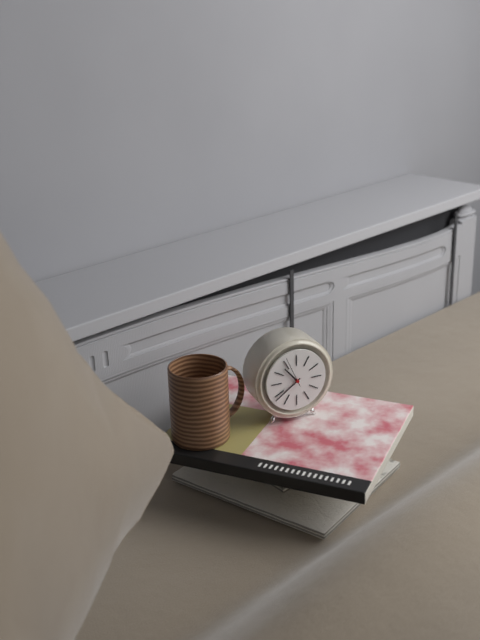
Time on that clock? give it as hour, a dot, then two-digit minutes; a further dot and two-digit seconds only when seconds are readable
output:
10.39
